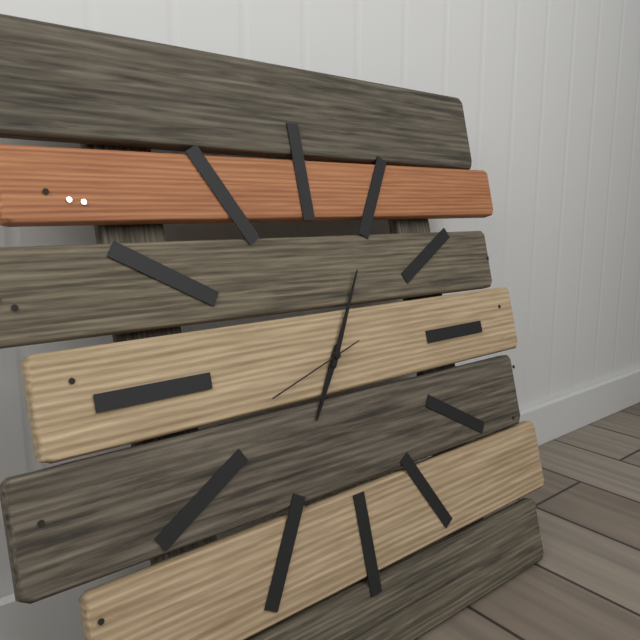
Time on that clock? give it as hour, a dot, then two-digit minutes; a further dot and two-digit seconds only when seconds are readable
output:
7.05.42
